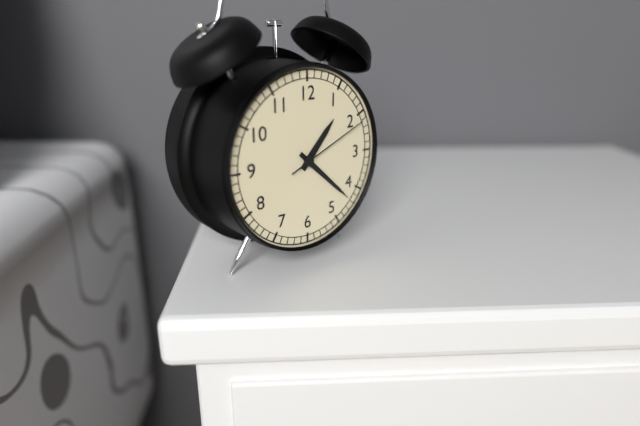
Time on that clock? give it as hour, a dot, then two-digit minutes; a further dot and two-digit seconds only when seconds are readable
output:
1.22.11
